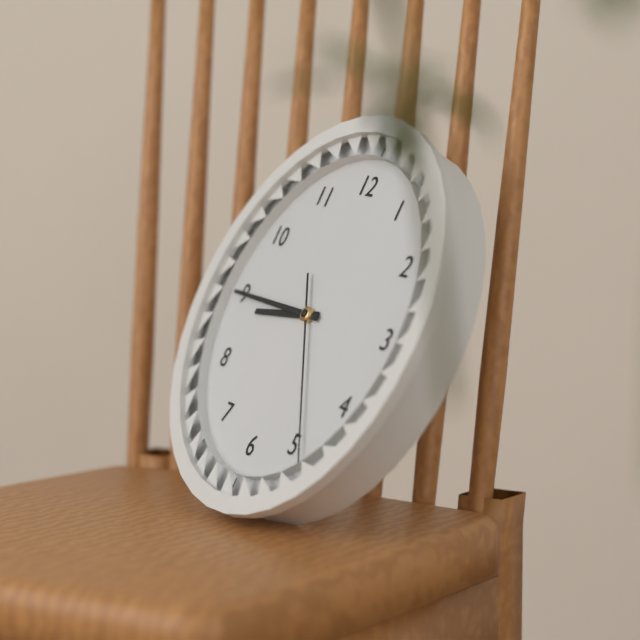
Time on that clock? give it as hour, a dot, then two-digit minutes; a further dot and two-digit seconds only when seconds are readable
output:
8.45.24
